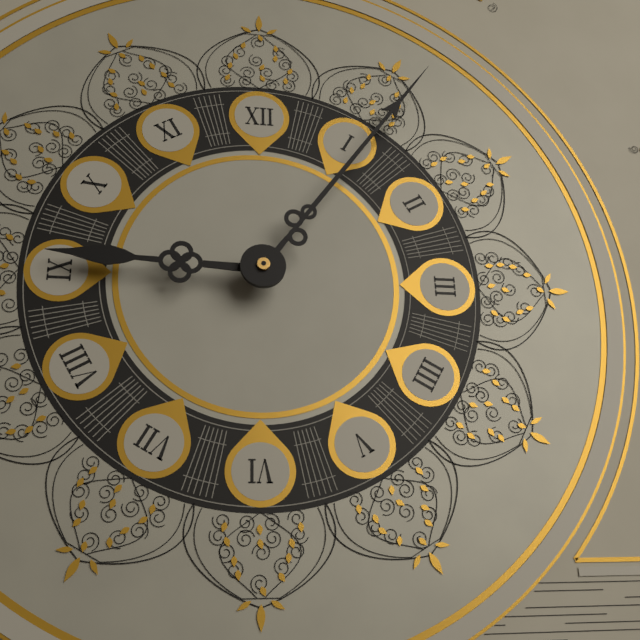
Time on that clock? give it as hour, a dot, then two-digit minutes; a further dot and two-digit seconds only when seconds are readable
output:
9.06
